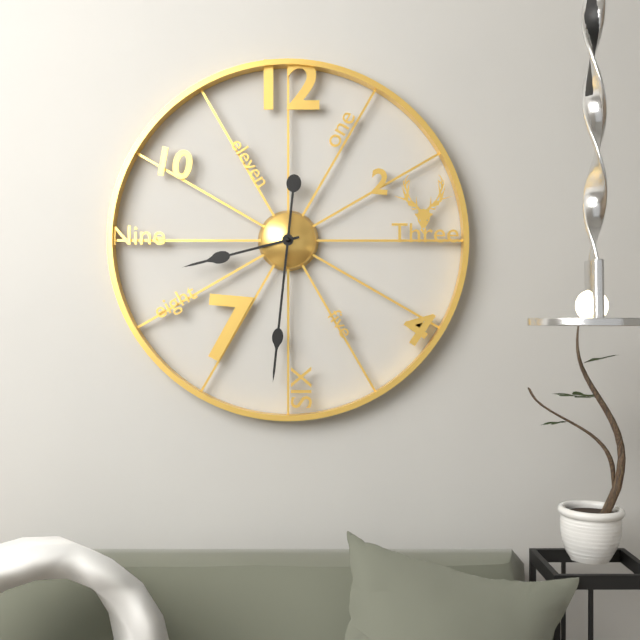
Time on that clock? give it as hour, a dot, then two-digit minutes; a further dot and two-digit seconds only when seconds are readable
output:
8.31
